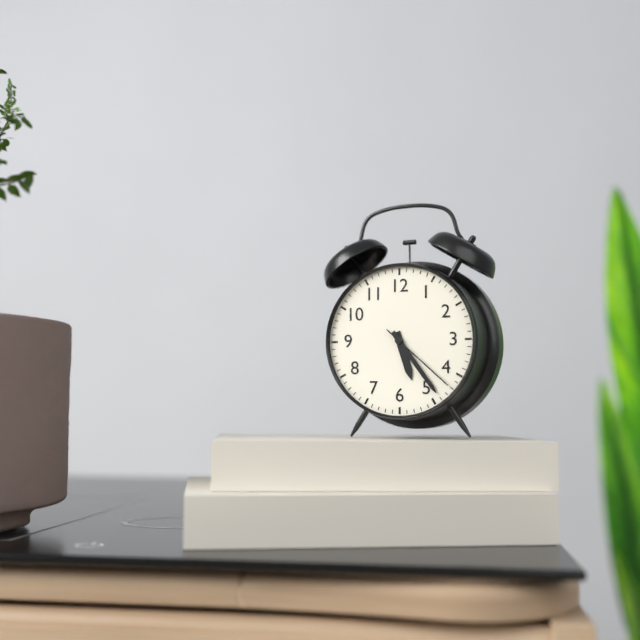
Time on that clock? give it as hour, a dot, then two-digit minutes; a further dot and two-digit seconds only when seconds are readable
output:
5.24.22
